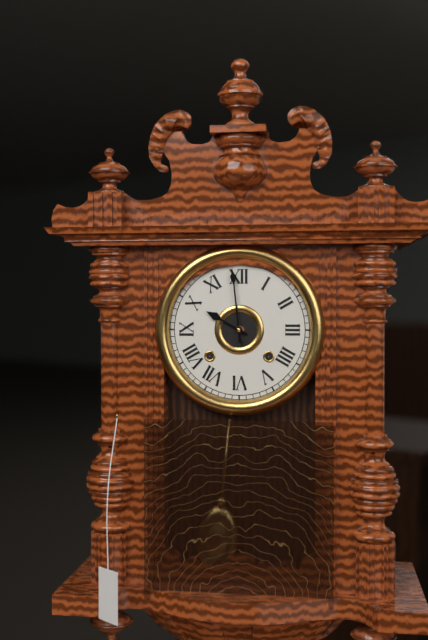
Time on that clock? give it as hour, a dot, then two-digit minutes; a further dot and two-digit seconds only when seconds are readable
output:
9.59
